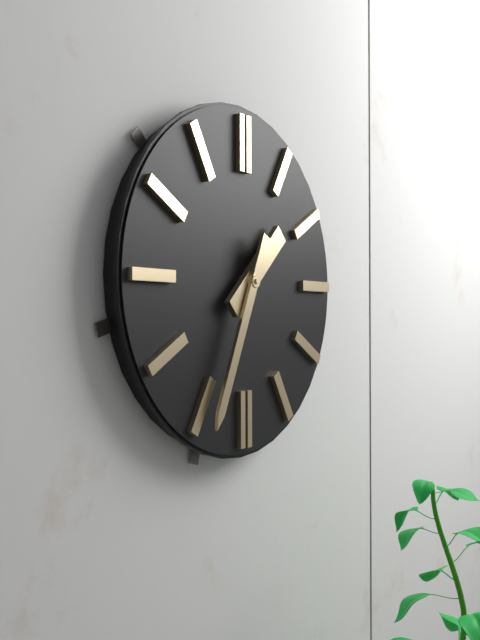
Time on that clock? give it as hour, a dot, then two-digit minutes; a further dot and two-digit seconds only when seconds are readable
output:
1.34
